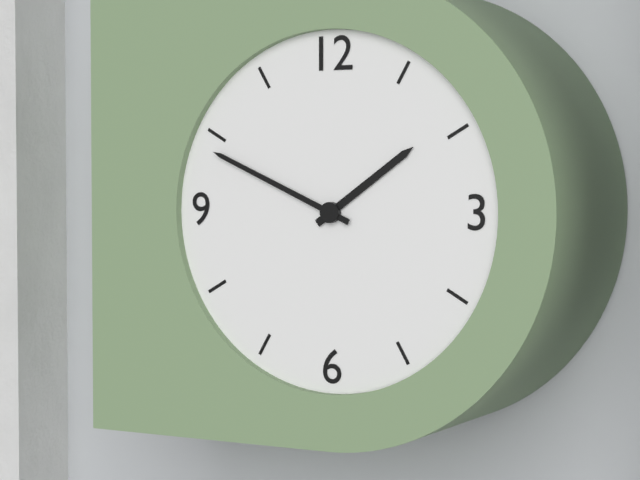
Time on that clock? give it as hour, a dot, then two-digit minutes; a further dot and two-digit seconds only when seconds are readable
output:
1.49
